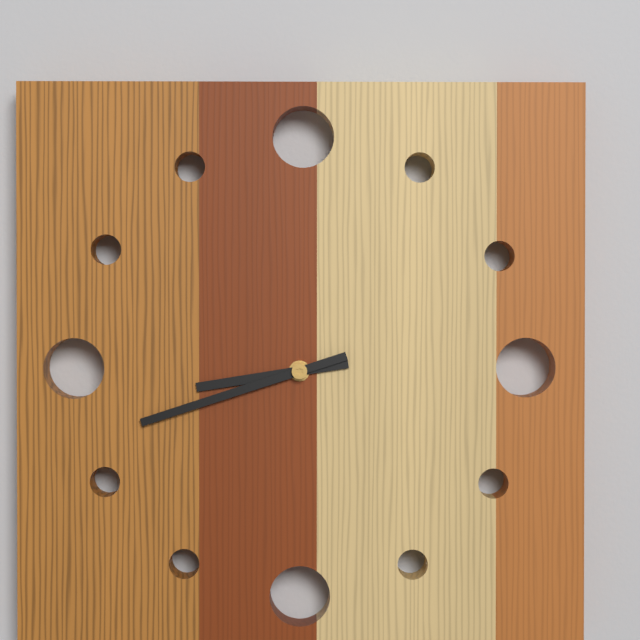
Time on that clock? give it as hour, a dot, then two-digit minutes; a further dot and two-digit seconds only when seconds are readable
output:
8.42
